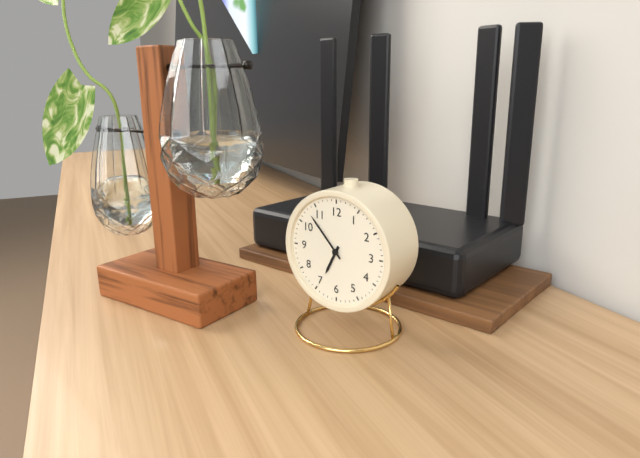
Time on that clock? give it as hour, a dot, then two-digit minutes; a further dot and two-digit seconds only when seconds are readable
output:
6.53
